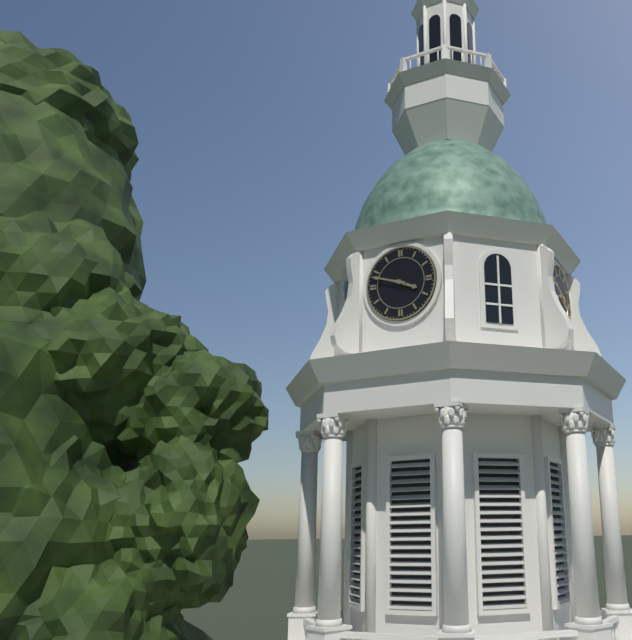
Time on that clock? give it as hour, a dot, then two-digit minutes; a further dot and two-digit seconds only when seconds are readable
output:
3.48
